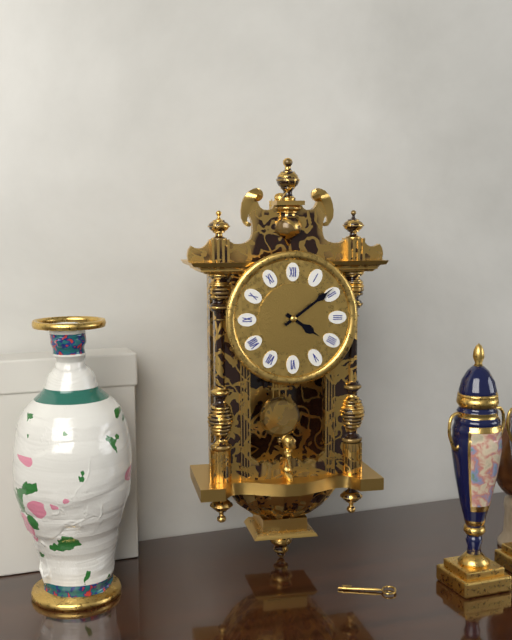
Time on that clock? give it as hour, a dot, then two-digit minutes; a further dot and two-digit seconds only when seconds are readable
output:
4.09
